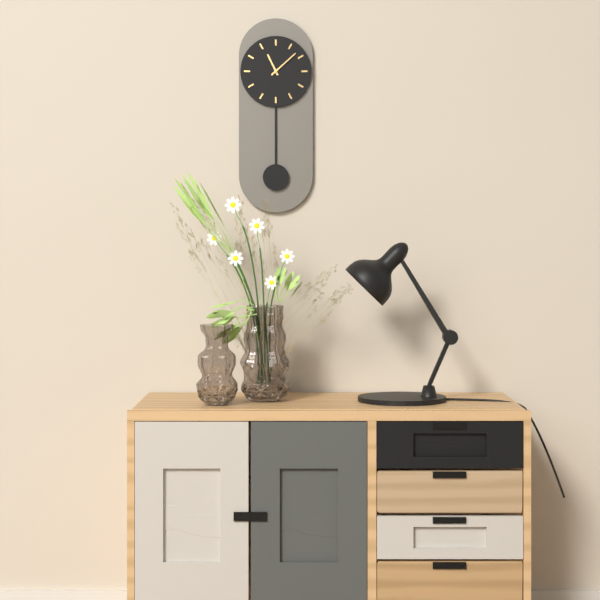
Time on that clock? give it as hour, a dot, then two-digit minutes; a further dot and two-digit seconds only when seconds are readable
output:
11.08
